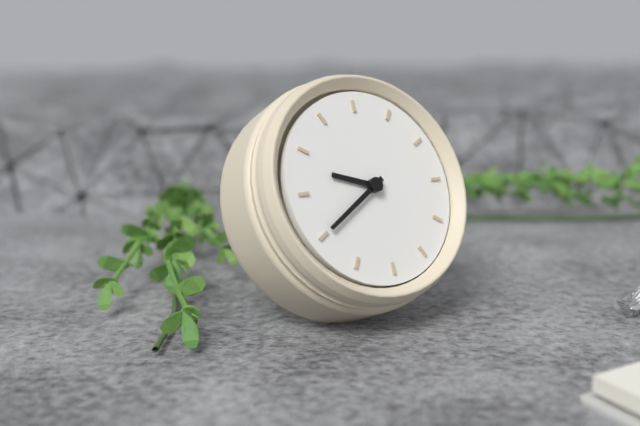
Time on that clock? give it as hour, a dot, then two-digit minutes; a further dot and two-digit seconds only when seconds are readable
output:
8.35
